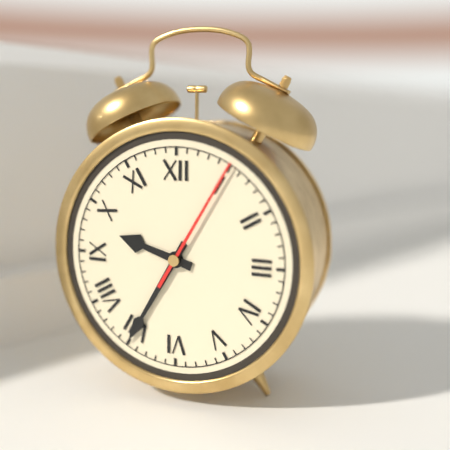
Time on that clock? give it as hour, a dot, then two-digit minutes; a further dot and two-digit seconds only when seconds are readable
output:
9.35.05
